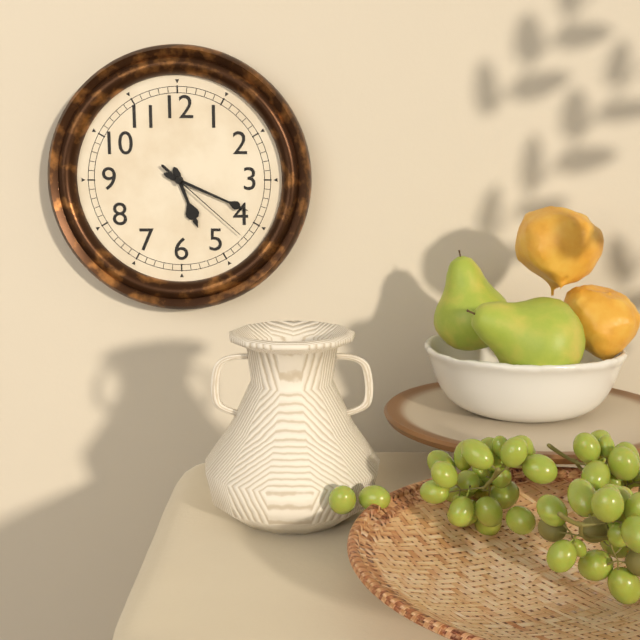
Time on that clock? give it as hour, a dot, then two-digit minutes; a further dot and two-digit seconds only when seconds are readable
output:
5.19.22
